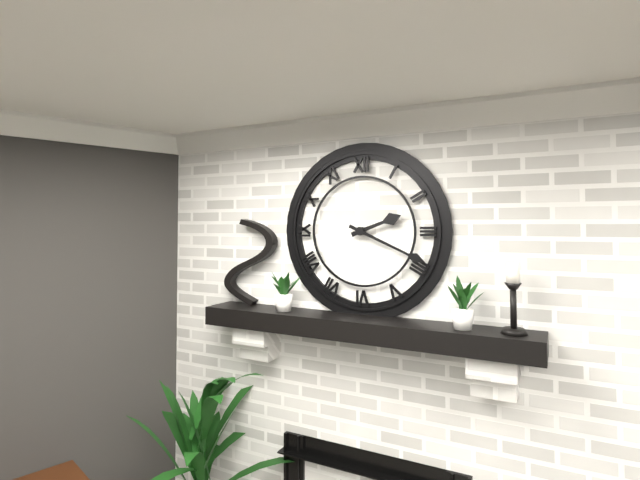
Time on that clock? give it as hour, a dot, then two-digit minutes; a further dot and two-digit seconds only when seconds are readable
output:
2.19
